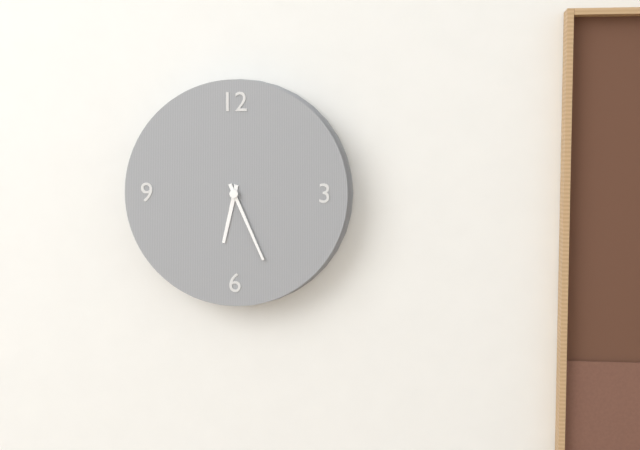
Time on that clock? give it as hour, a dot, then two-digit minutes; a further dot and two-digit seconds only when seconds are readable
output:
6.26
